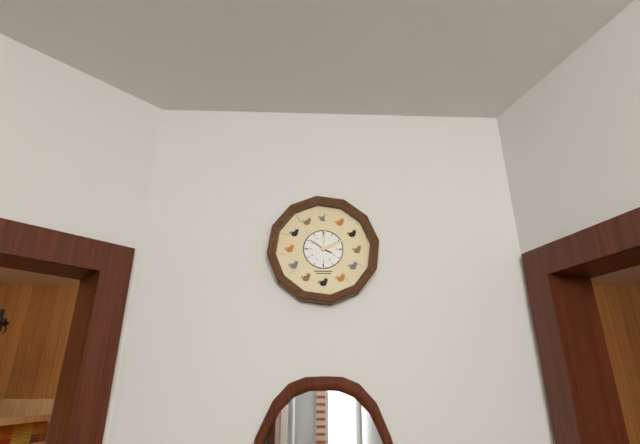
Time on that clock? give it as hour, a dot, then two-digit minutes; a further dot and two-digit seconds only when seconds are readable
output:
3.51
